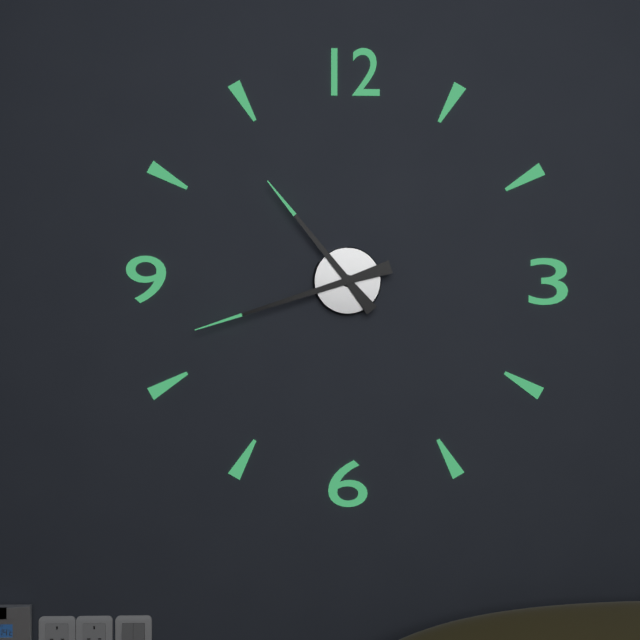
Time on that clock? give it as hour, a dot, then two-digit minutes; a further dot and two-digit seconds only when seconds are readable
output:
10.42
